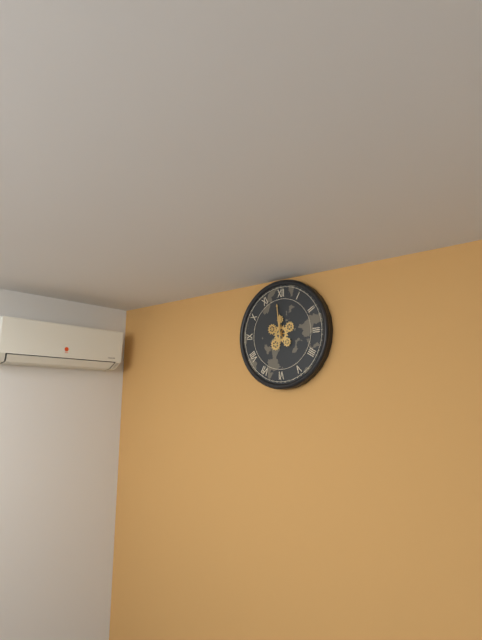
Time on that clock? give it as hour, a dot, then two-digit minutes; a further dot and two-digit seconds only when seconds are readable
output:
11.59
